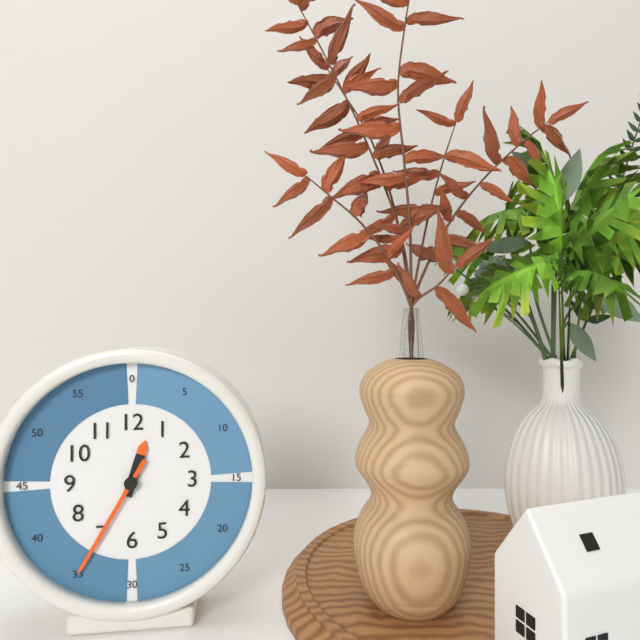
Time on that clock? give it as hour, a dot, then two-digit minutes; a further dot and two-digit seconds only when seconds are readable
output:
12.35
